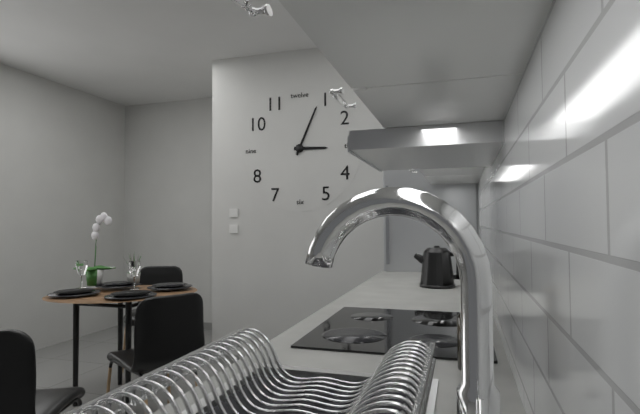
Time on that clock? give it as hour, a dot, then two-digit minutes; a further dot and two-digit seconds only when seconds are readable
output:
3.04
